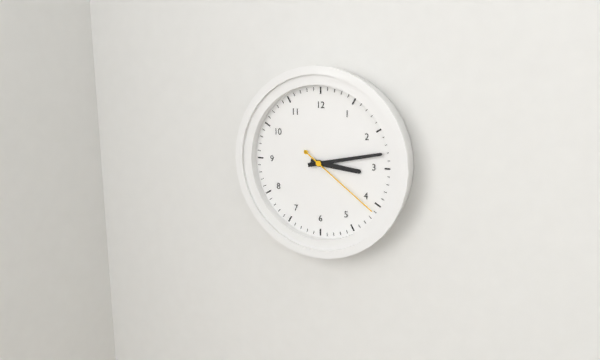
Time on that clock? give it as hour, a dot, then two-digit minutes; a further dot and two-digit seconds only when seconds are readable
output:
3.13.21
